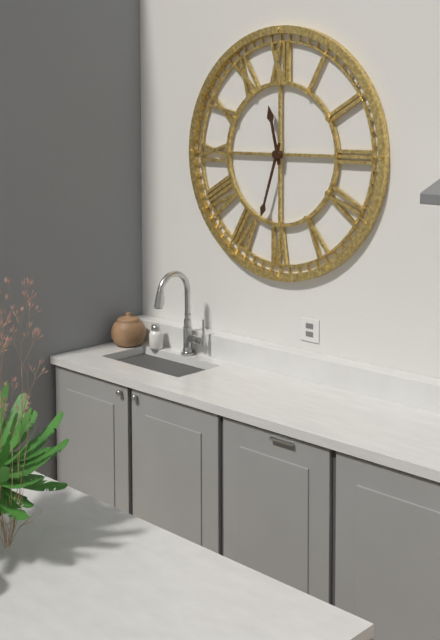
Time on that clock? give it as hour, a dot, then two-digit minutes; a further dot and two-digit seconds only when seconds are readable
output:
11.33
